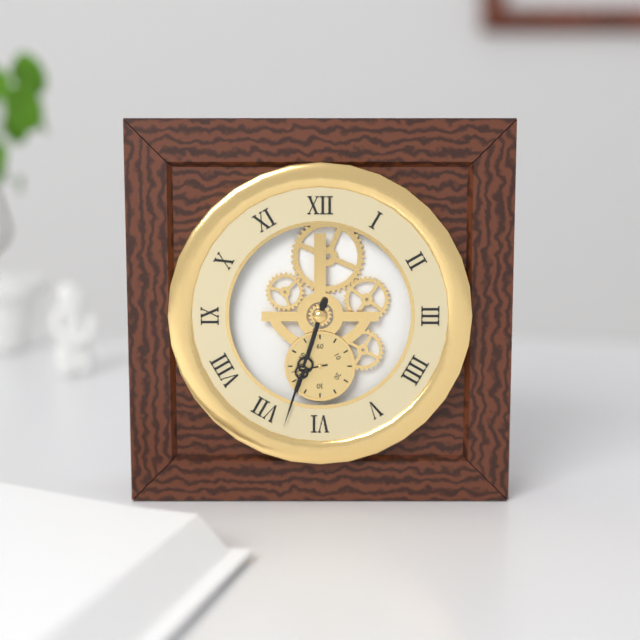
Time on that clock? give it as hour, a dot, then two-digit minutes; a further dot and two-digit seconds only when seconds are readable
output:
6.33
